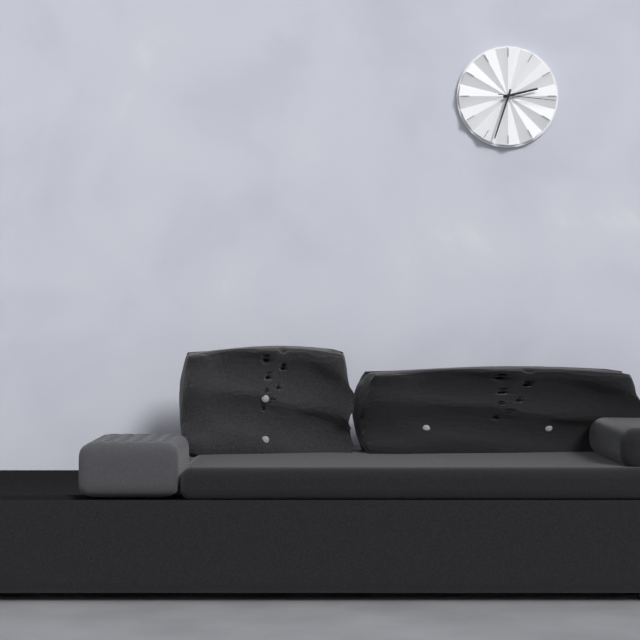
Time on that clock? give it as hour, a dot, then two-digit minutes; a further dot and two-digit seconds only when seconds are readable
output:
2.33.16
